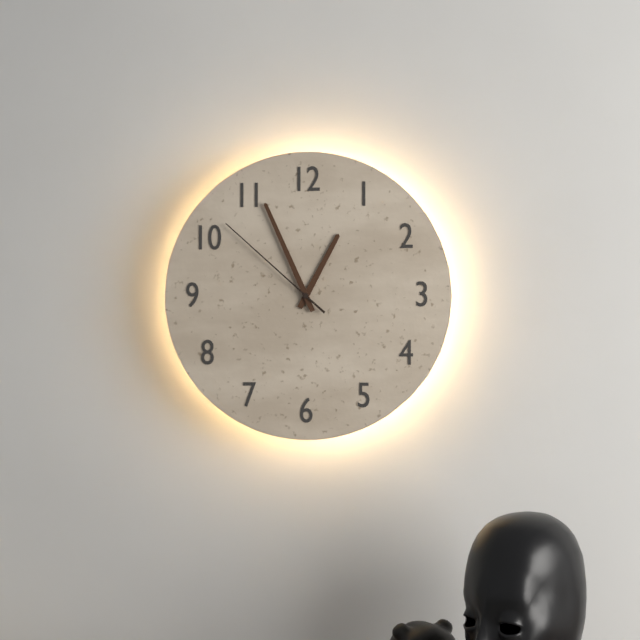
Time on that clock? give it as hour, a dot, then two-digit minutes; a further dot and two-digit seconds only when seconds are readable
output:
12.56.52
